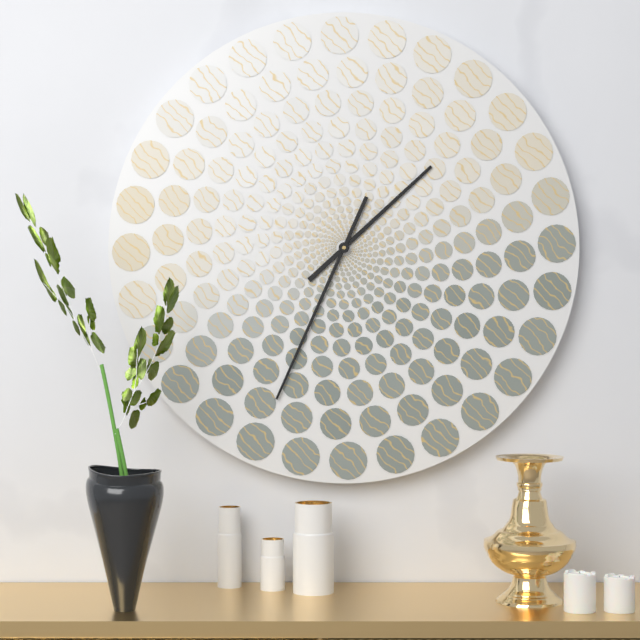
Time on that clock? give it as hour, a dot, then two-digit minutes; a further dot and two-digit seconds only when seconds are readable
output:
1.34
